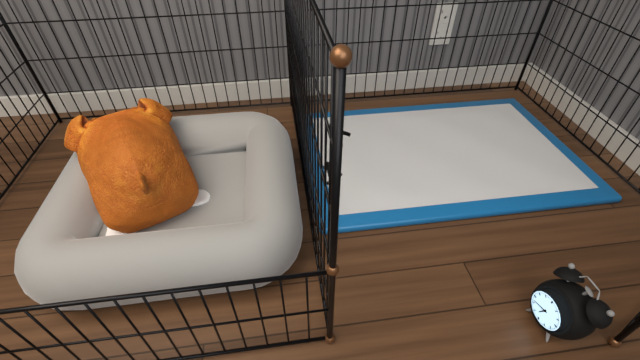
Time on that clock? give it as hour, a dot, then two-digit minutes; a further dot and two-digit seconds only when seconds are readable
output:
6.42
